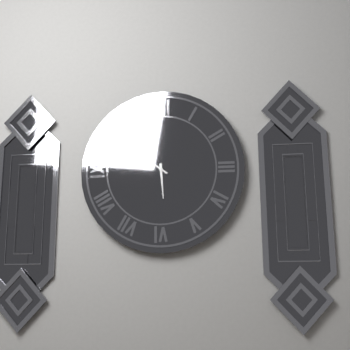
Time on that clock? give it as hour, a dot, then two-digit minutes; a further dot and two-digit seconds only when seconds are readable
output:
5.51
